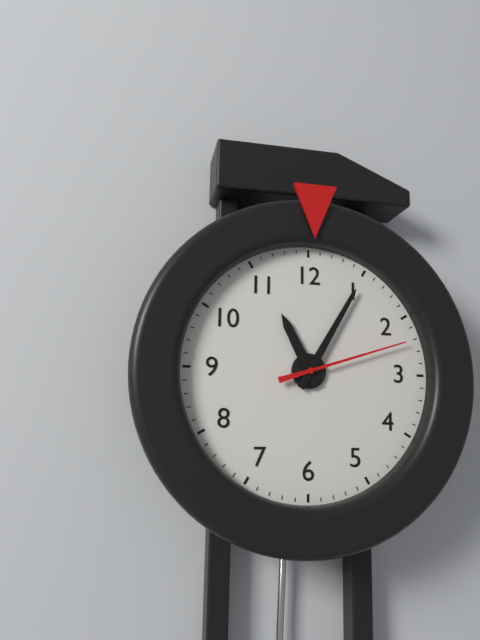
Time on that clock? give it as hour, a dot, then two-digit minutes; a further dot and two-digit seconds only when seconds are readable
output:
11.05.12
